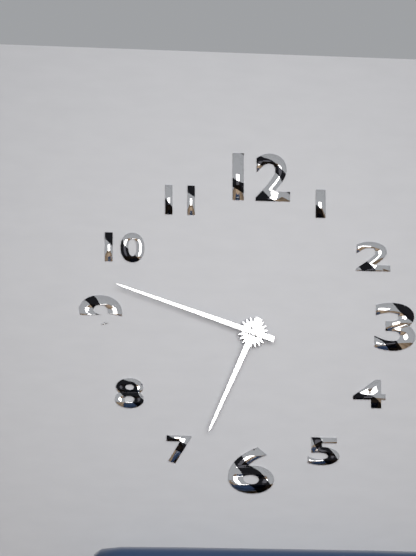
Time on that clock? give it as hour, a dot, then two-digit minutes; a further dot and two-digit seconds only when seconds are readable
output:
6.48
